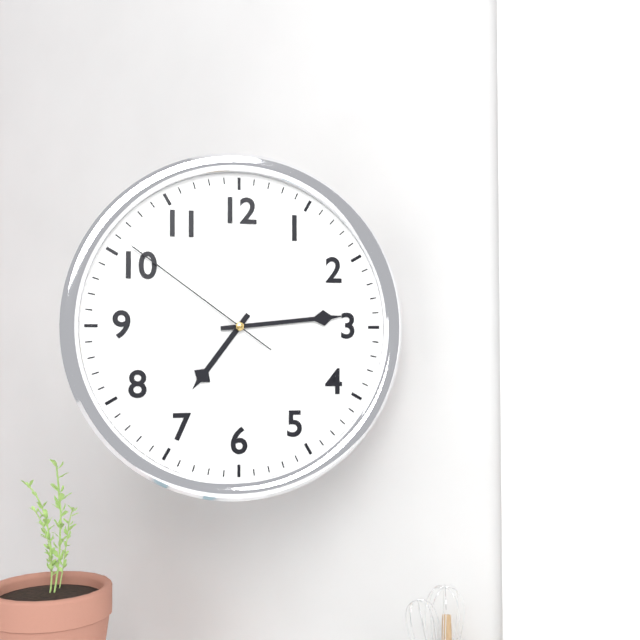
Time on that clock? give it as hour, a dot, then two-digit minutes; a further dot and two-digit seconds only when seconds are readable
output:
7.14.51
